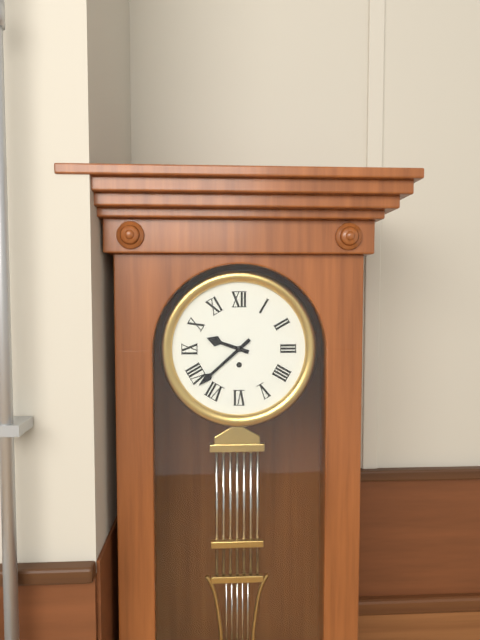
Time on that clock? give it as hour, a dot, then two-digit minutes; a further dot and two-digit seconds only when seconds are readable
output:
9.38
